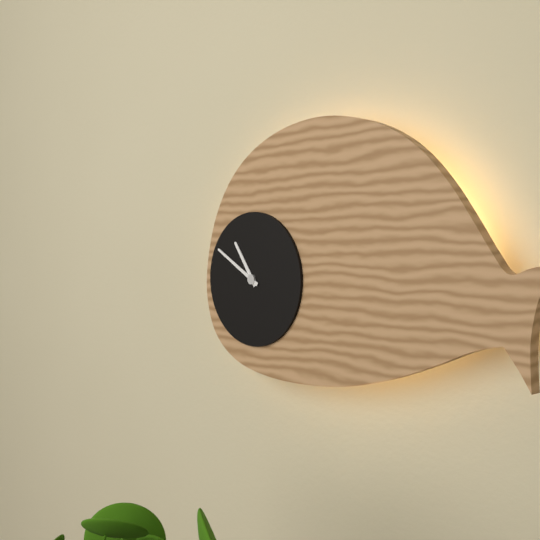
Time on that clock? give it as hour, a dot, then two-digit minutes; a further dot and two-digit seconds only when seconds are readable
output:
10.50
